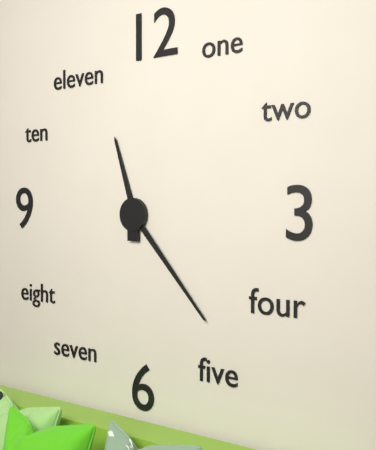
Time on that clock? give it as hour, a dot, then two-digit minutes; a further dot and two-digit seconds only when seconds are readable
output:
11.23
